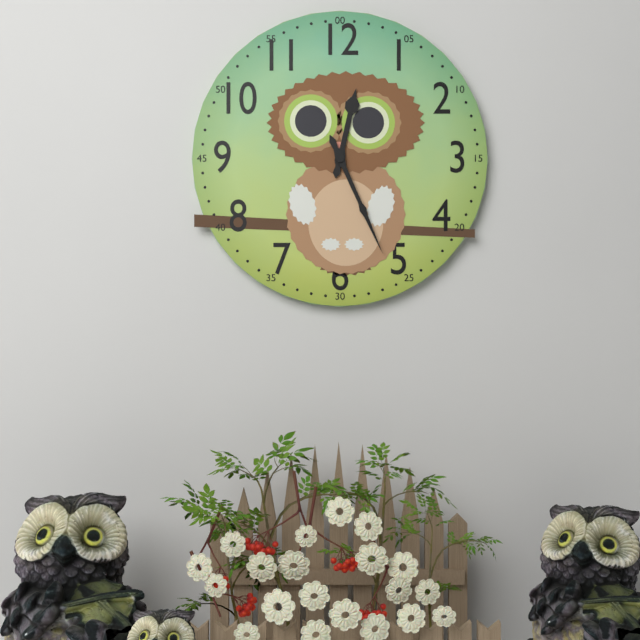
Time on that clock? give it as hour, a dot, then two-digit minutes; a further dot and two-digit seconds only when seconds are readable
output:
12.26
